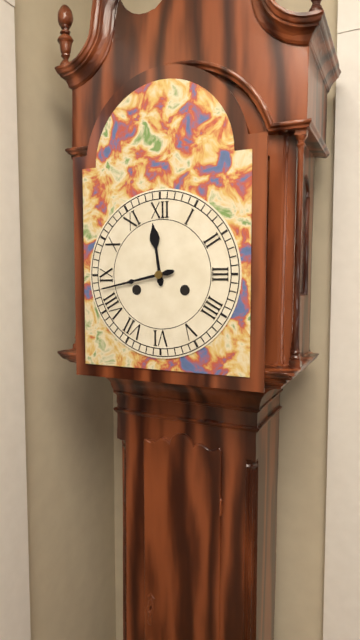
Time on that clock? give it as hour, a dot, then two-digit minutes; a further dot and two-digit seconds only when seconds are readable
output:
11.43
